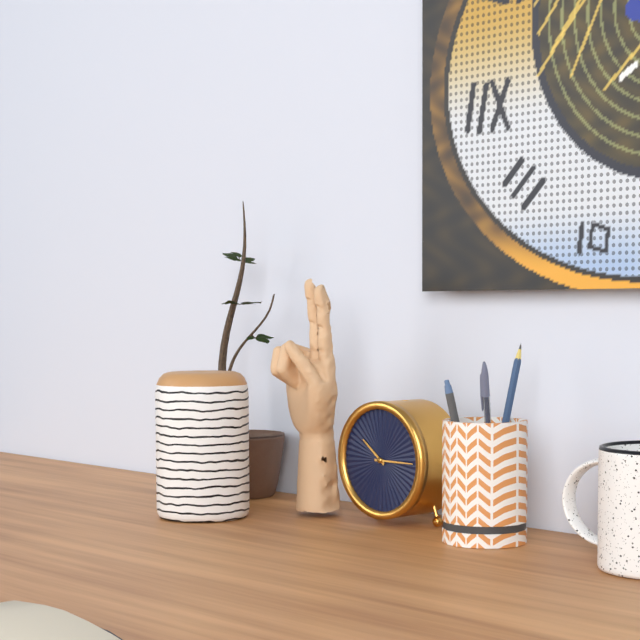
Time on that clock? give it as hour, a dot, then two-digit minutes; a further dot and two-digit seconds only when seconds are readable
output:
10.15
